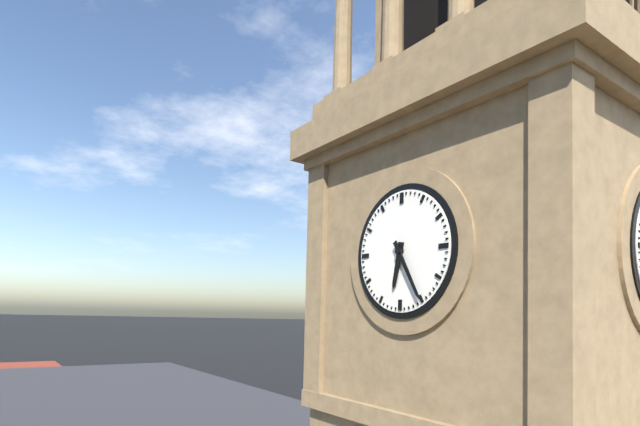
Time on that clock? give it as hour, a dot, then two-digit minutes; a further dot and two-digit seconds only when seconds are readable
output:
6.25
